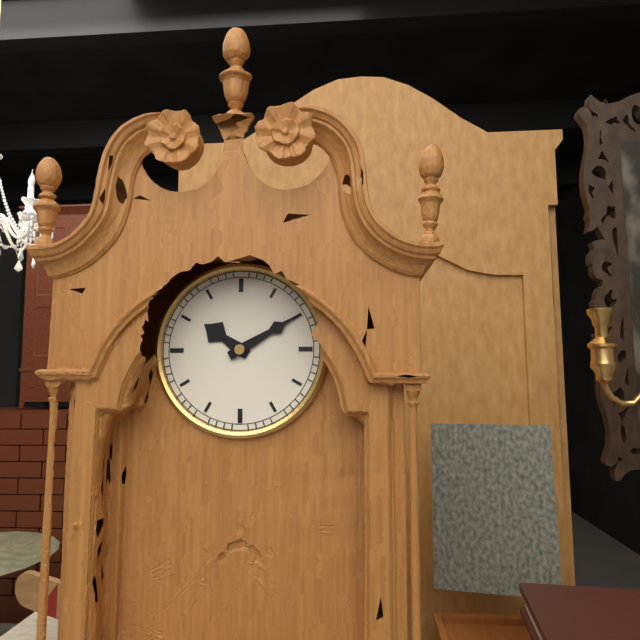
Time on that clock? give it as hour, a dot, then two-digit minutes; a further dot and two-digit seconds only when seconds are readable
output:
10.10
